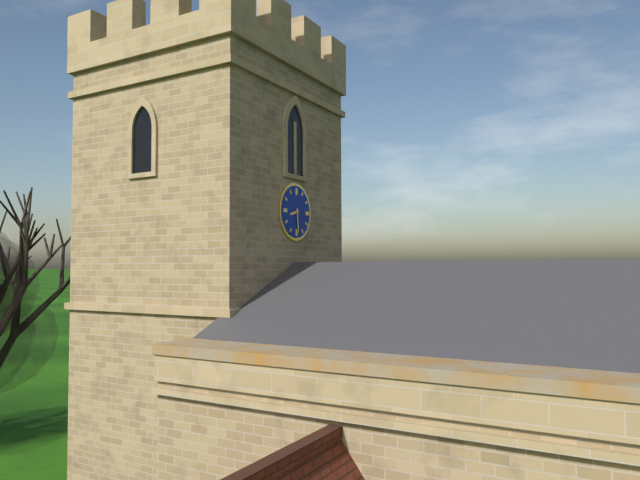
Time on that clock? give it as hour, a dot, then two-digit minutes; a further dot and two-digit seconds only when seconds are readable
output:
8.29
